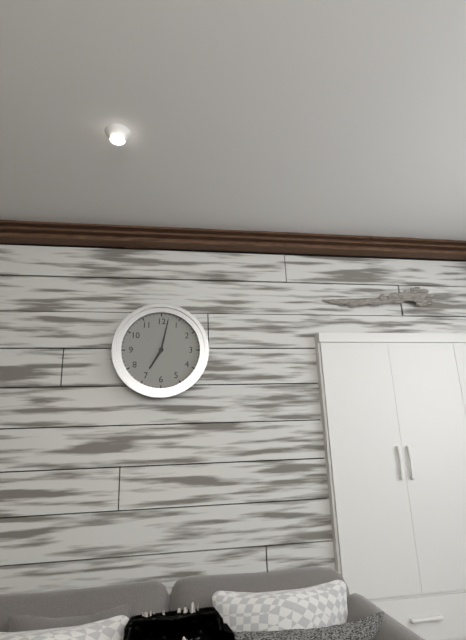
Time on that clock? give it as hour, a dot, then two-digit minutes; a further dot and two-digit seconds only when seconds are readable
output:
7.02
